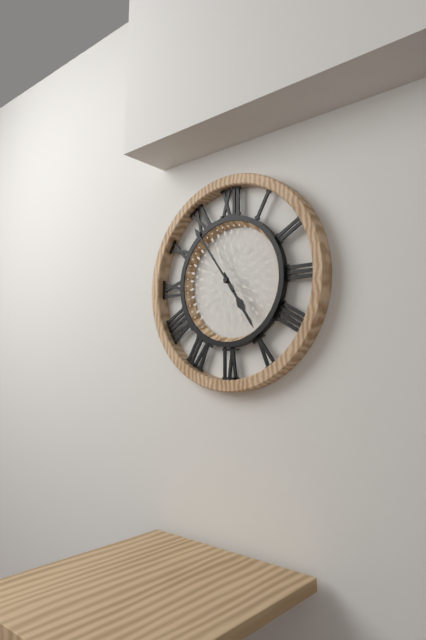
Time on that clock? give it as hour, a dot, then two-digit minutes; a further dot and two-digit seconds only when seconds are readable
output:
4.54
